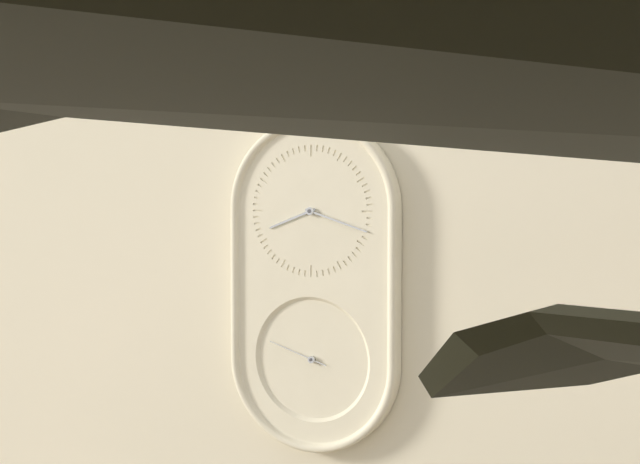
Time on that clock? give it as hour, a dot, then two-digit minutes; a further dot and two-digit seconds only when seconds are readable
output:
8.18.48
